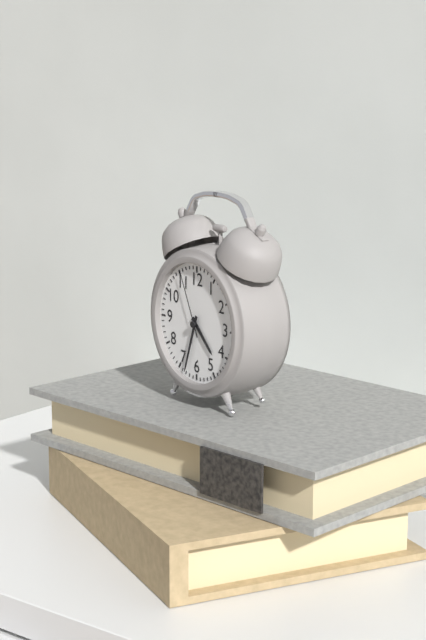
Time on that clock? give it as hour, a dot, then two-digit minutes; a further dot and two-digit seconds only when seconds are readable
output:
4.33.56
